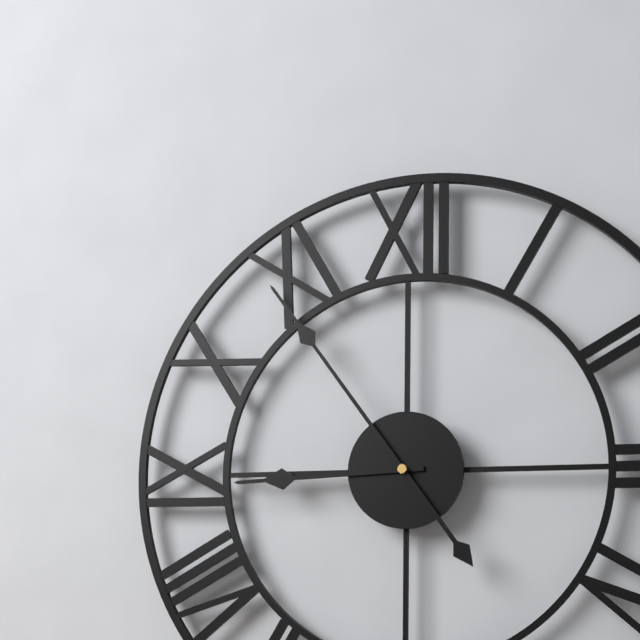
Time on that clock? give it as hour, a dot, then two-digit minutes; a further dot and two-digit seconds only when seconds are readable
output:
8.54
